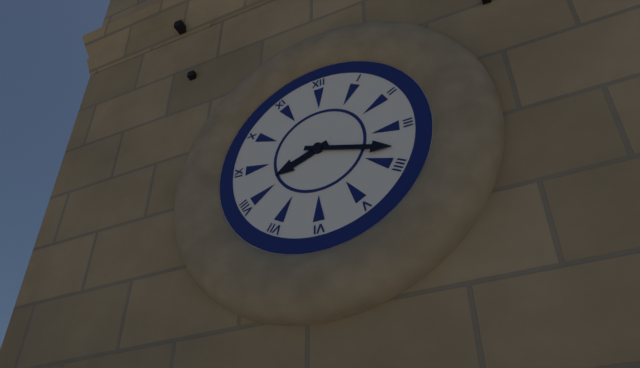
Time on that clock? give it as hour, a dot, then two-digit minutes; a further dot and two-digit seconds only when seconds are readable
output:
8.18
